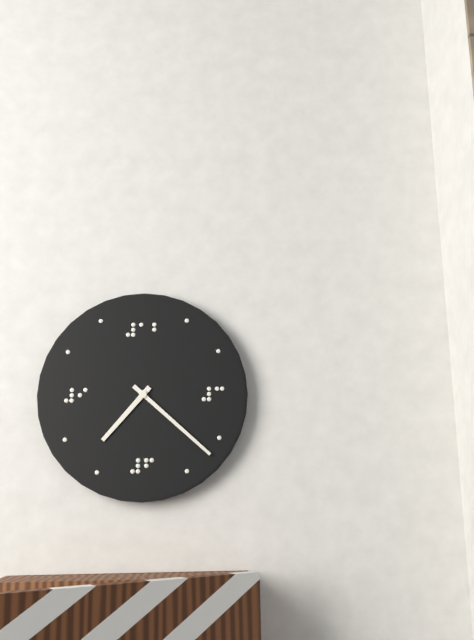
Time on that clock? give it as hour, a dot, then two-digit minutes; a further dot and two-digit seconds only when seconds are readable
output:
7.22
